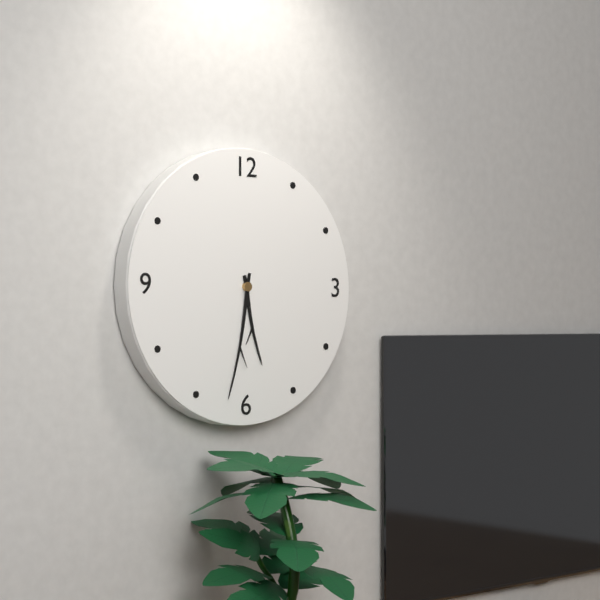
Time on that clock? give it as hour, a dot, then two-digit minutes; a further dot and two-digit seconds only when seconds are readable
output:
5.32
